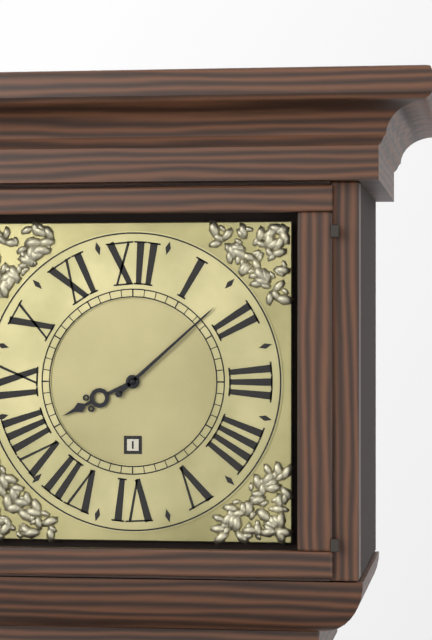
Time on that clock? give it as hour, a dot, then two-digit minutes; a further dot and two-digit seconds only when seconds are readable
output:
8.08
